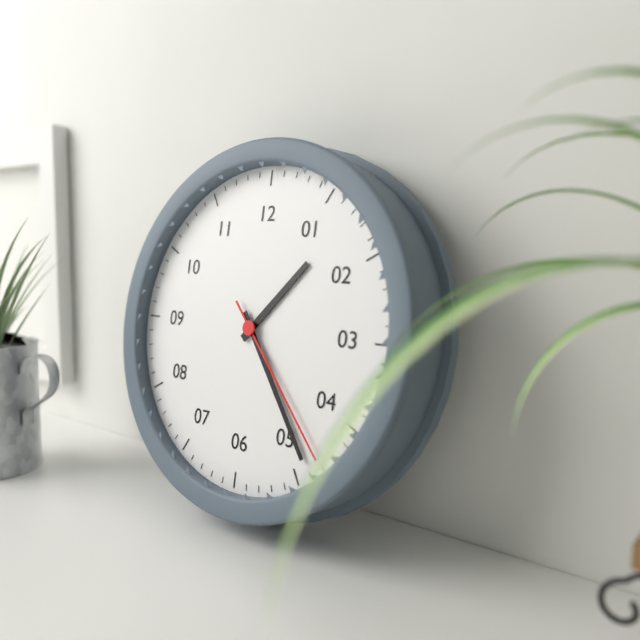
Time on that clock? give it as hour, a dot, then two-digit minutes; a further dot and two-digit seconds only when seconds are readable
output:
1.24.23
